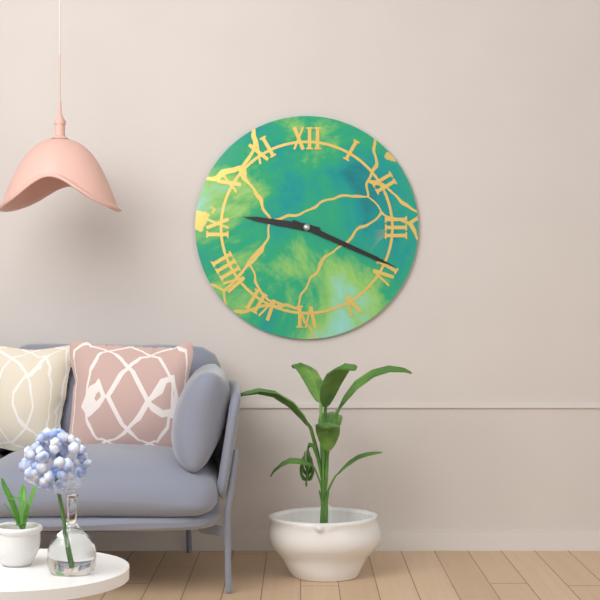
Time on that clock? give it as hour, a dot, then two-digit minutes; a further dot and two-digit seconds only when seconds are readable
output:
9.19
